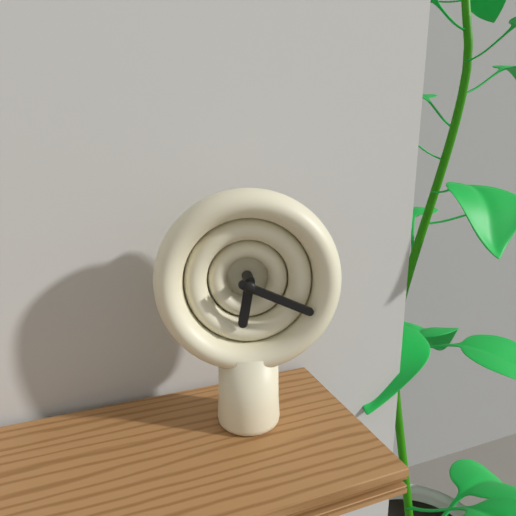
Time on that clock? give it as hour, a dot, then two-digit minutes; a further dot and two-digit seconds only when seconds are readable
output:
6.19
